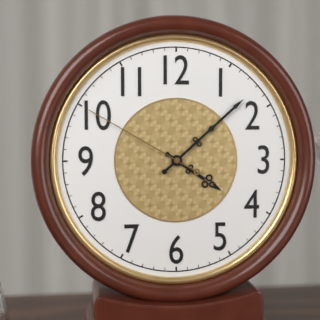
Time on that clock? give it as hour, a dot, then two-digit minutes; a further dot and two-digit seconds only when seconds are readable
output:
4.08.50
